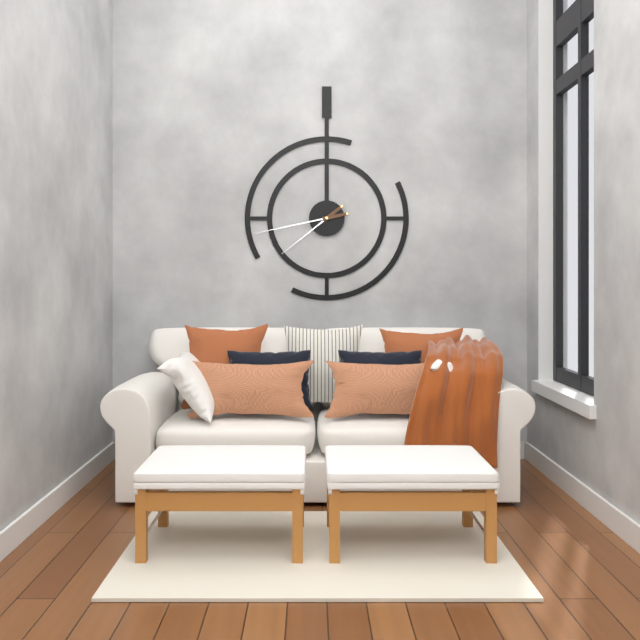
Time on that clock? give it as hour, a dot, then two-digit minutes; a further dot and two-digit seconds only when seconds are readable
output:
7.43
